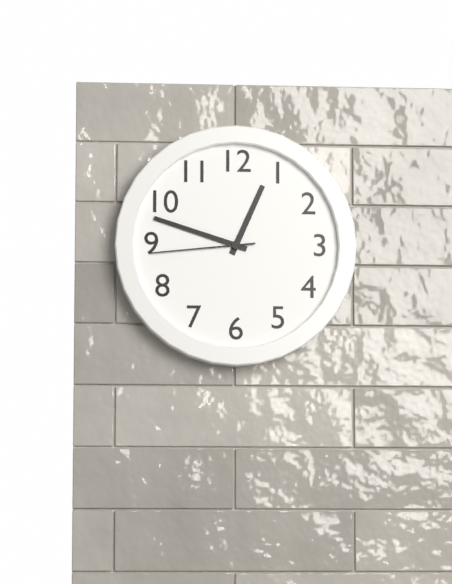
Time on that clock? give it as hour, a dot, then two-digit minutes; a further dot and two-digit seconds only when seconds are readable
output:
12.48.44
